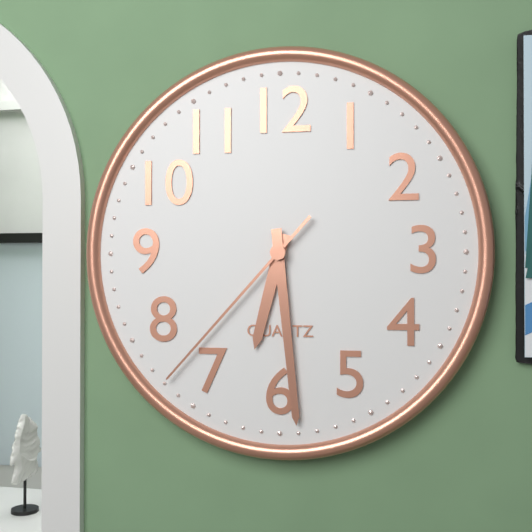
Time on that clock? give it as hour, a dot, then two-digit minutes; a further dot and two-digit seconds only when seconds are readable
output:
6.29.37
